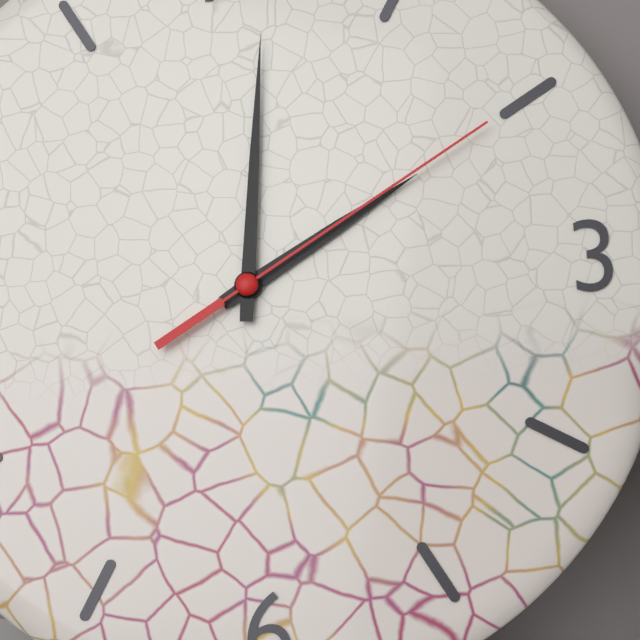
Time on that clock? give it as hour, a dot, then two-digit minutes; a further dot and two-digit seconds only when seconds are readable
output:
2.01.10
